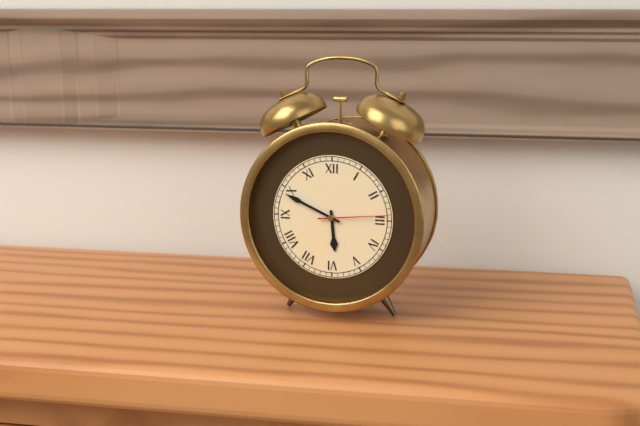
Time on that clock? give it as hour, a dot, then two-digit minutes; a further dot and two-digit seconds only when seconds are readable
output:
5.49.14
